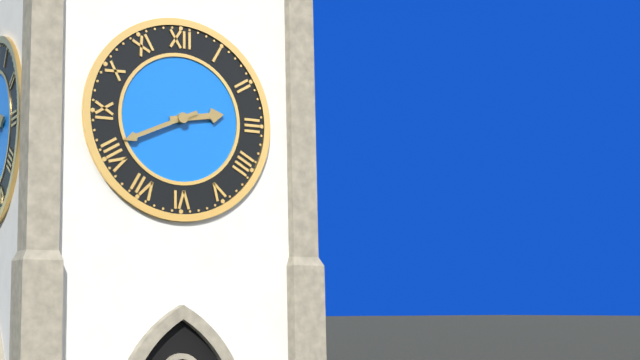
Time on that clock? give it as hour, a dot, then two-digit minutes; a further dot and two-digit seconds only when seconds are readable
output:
2.41
